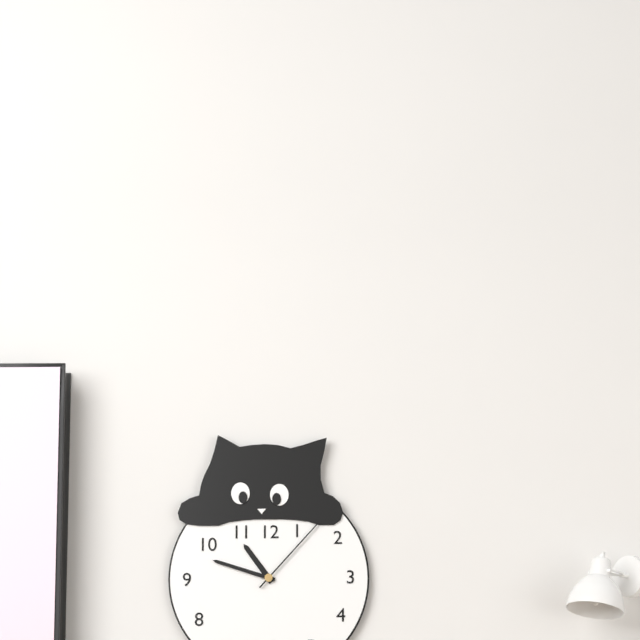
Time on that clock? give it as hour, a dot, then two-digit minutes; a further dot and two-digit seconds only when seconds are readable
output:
10.48.07
